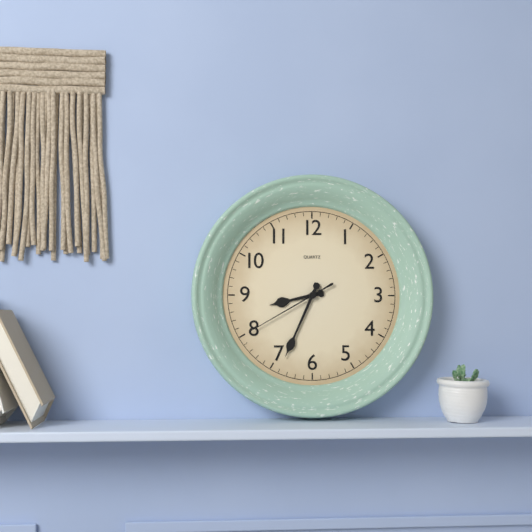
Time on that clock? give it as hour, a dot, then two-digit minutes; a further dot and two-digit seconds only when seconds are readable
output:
8.34.40
